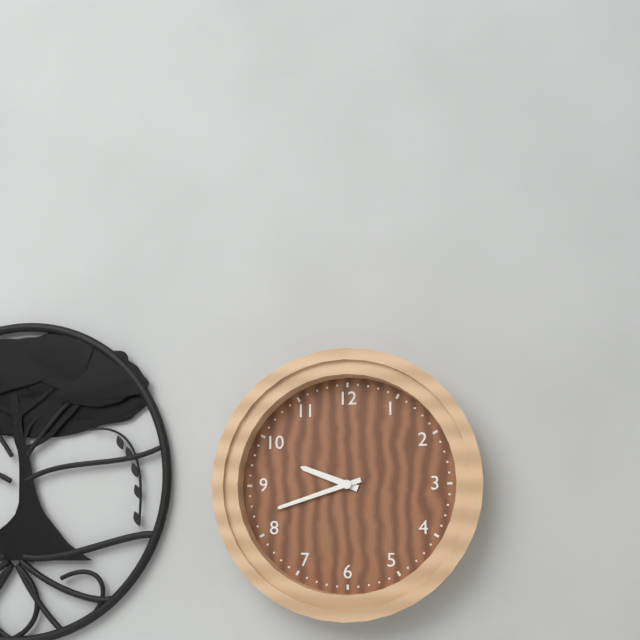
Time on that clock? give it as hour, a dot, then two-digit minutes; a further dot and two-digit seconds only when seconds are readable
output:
9.42
